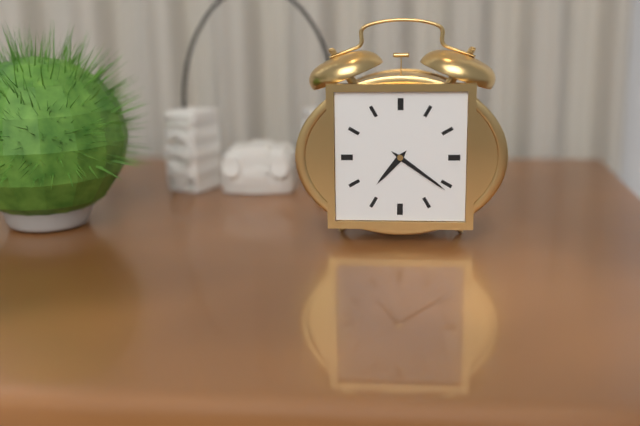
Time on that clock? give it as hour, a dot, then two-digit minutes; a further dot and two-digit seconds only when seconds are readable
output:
7.21
